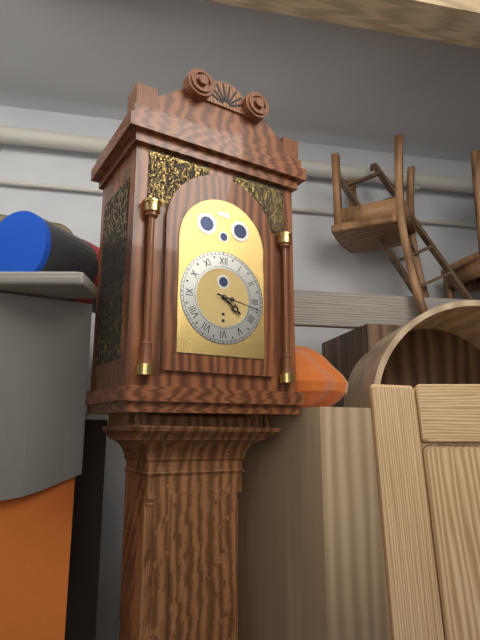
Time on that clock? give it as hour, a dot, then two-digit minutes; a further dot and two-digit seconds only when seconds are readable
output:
4.17
